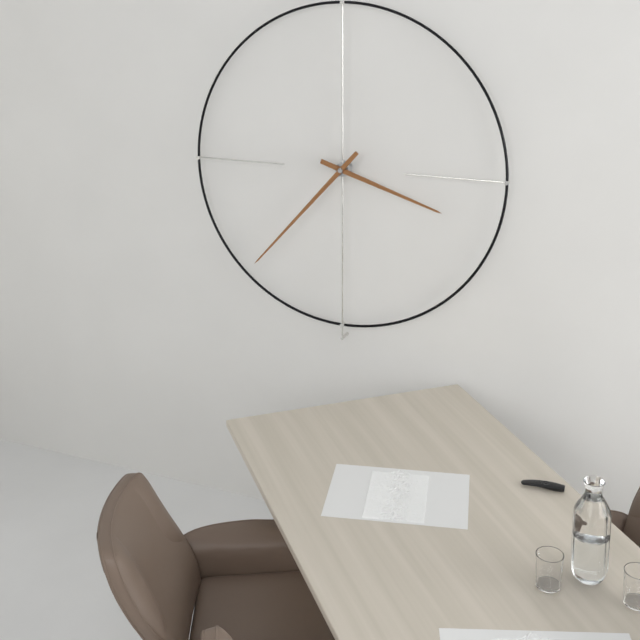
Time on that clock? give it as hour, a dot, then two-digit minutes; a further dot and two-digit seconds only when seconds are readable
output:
3.37
